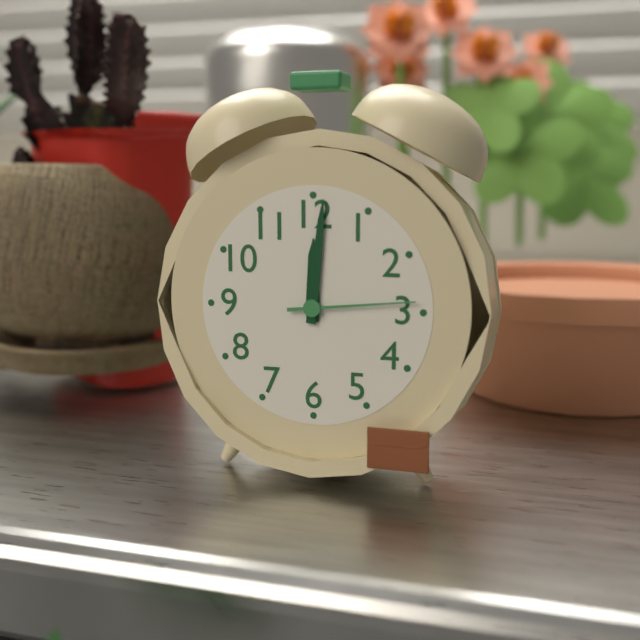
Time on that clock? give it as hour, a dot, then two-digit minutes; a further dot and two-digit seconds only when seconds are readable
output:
12.01.14
